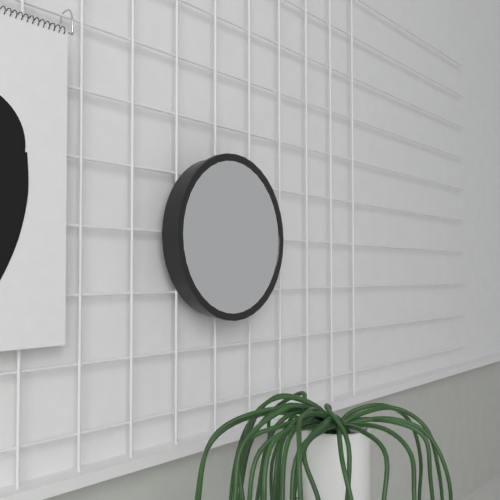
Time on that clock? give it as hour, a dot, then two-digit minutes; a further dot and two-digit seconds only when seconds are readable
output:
9.12
